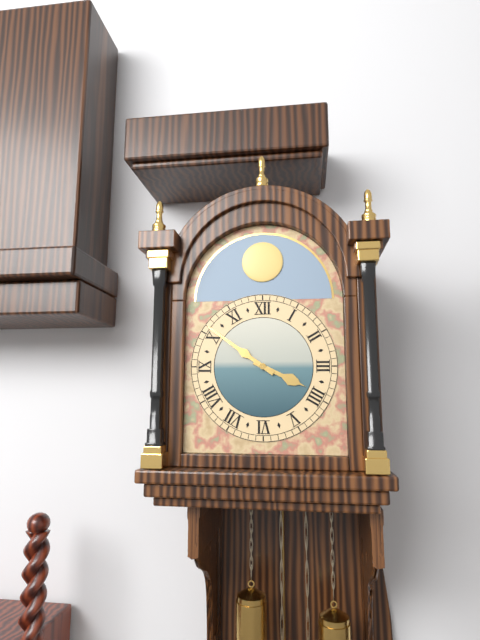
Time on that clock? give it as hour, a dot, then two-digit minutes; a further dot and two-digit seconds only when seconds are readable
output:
3.51
